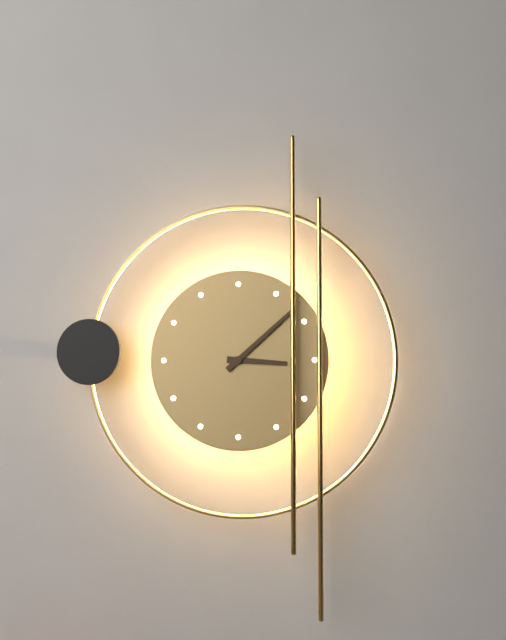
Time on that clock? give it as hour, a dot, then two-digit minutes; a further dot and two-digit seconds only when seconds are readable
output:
3.08
